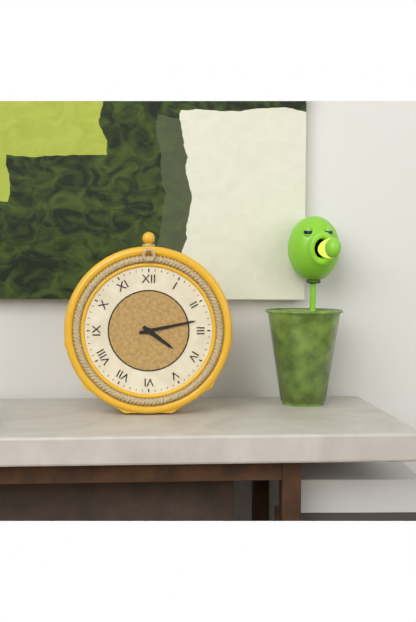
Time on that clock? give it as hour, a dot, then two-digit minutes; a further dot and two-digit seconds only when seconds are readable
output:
4.13
